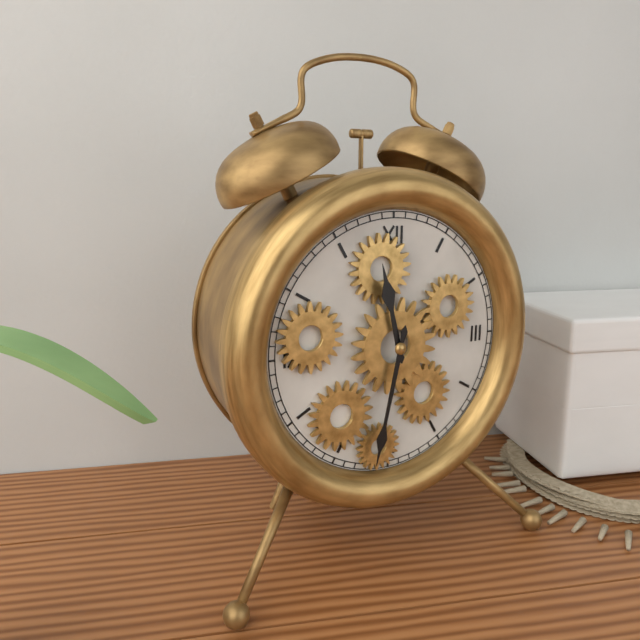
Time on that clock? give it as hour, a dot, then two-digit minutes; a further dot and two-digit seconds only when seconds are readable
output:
11.32
